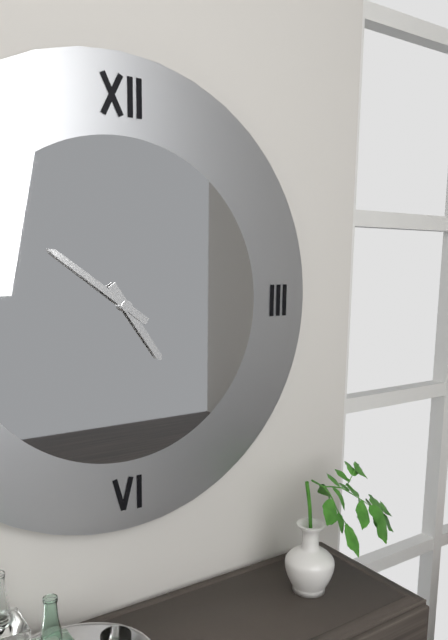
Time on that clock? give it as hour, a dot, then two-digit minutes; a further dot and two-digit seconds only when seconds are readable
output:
4.51
